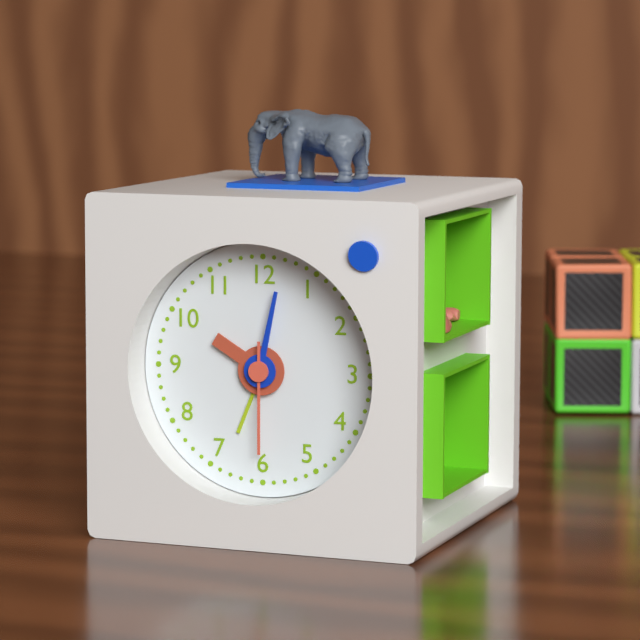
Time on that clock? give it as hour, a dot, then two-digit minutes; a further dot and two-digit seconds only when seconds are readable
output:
10.02.30
